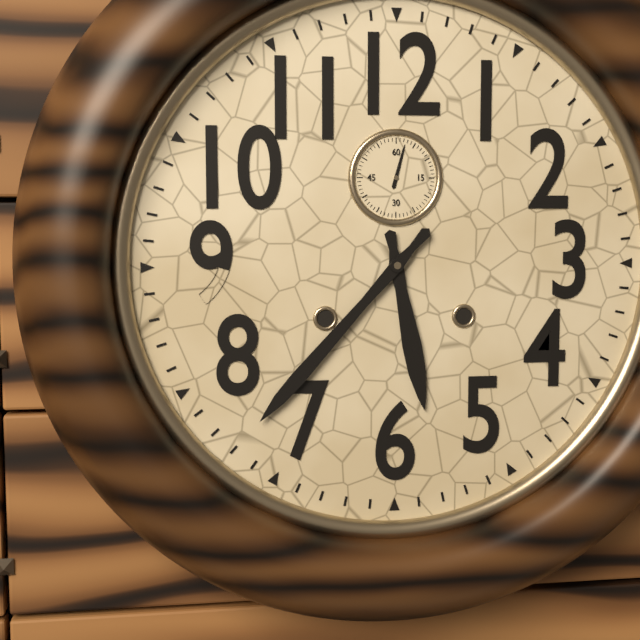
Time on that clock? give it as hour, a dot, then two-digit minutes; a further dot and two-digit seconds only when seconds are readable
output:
5.37
